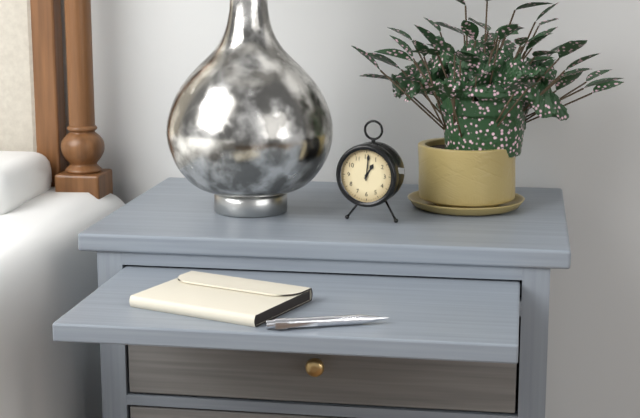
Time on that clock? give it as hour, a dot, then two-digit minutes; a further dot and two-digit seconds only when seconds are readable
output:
1.01
